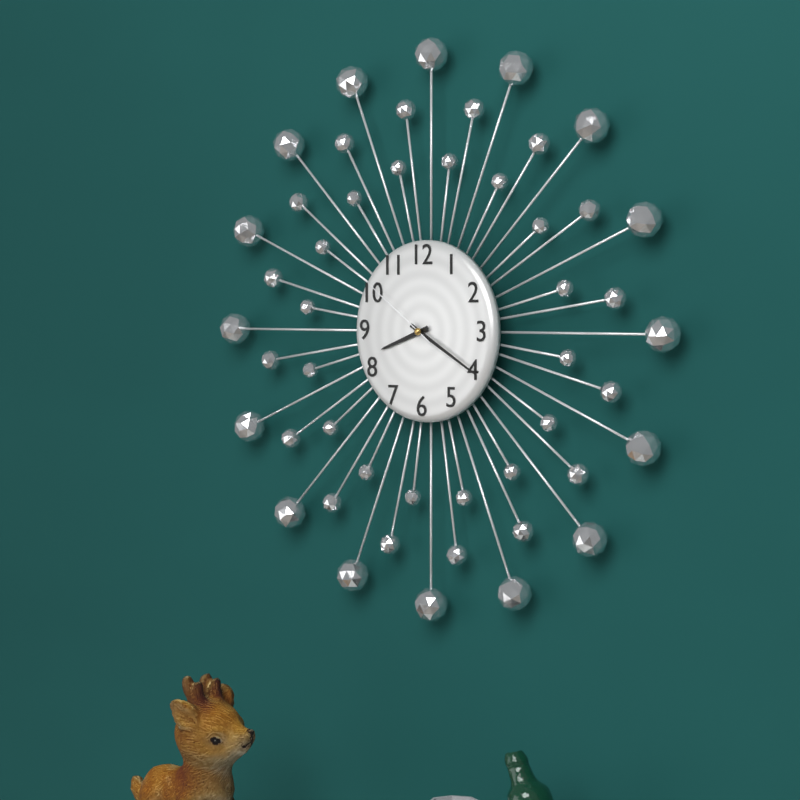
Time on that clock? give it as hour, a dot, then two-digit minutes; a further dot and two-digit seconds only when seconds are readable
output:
8.20.51
